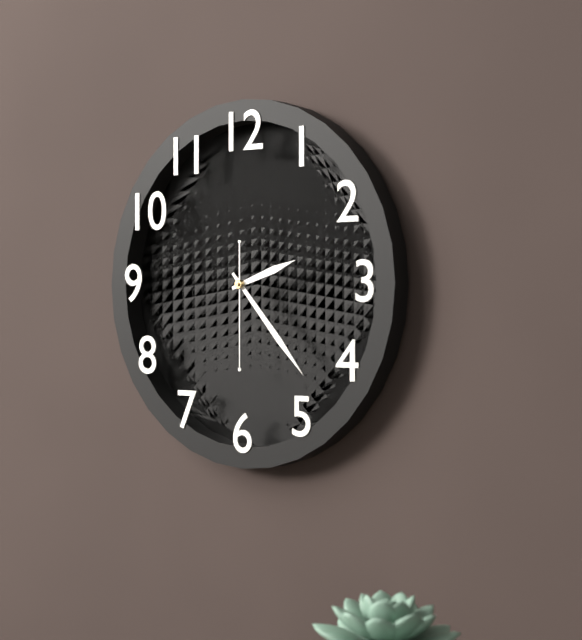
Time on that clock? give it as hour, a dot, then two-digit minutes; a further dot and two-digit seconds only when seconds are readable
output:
2.23.30
